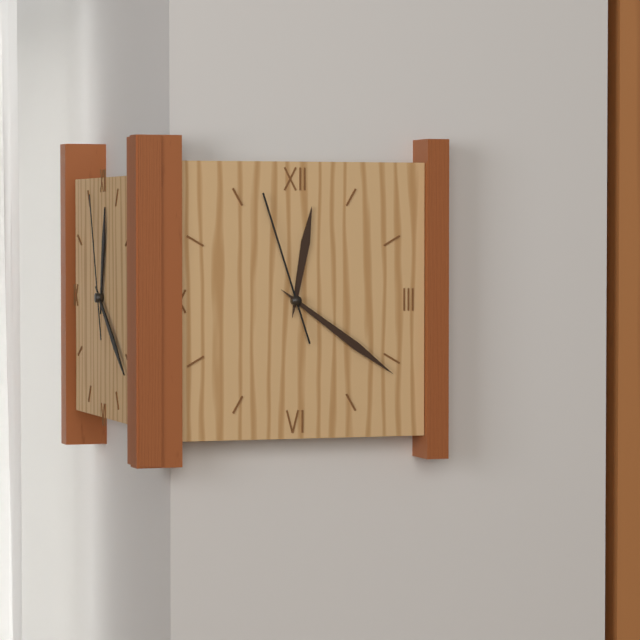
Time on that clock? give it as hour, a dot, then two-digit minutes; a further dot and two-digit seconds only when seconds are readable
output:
12.21.57
